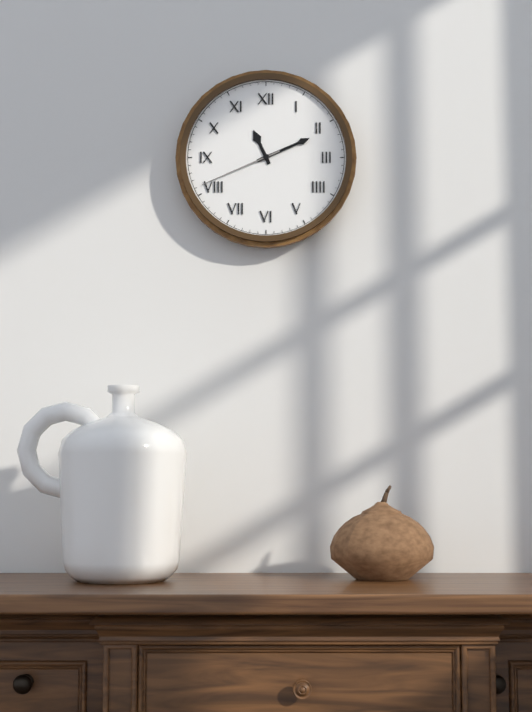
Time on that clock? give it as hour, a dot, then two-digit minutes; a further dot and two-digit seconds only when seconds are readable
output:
11.11.41
